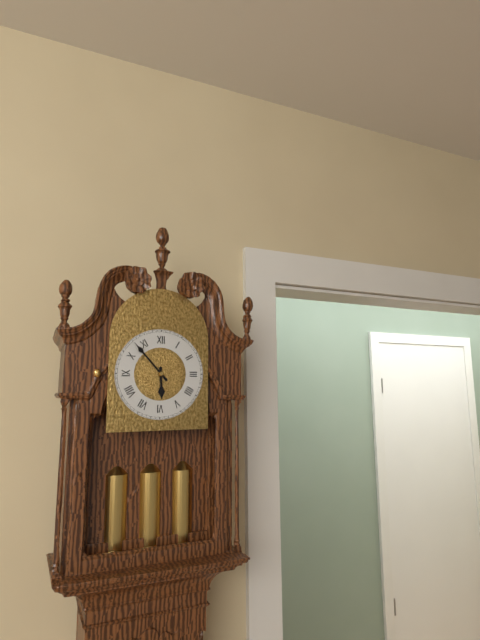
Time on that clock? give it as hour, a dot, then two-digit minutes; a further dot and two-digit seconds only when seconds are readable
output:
5.53
